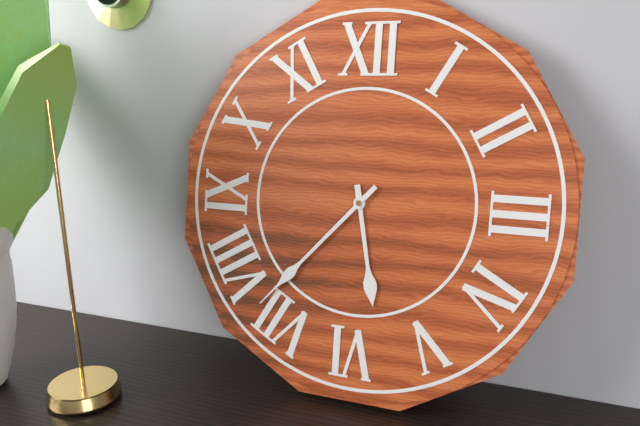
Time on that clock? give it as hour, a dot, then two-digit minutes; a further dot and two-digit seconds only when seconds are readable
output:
5.37
